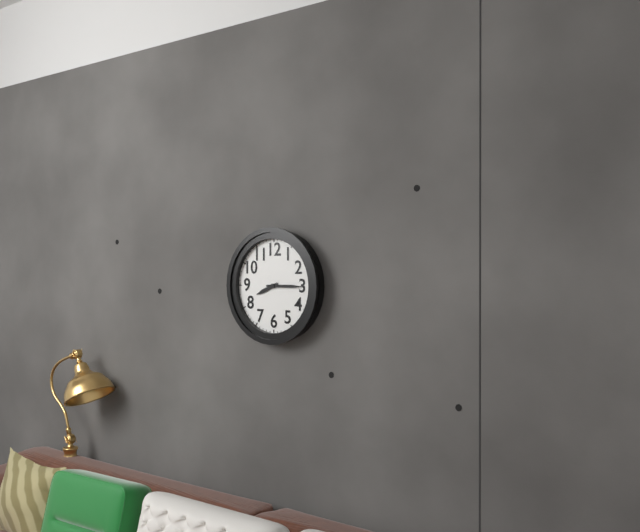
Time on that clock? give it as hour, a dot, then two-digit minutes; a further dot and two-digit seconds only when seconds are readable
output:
8.15
